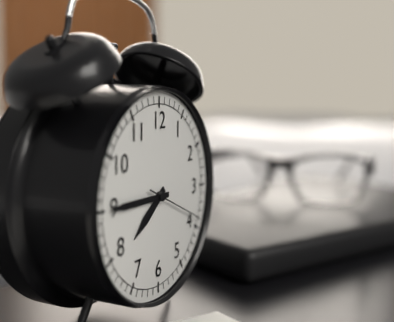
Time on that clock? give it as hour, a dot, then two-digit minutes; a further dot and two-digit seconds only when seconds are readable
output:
7.45.19
